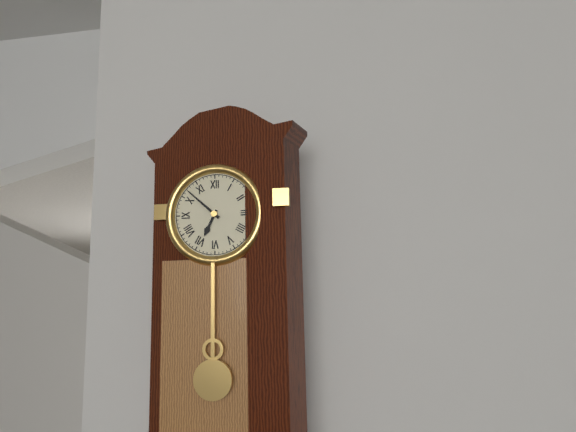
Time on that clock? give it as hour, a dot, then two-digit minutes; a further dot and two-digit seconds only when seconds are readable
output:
6.52
